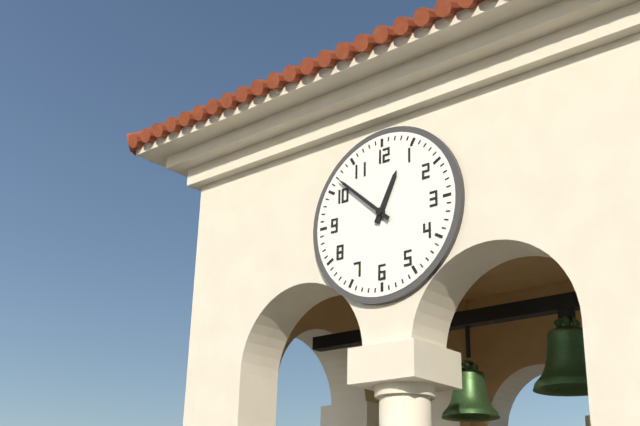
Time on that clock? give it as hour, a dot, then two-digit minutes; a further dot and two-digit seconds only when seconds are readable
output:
12.52
